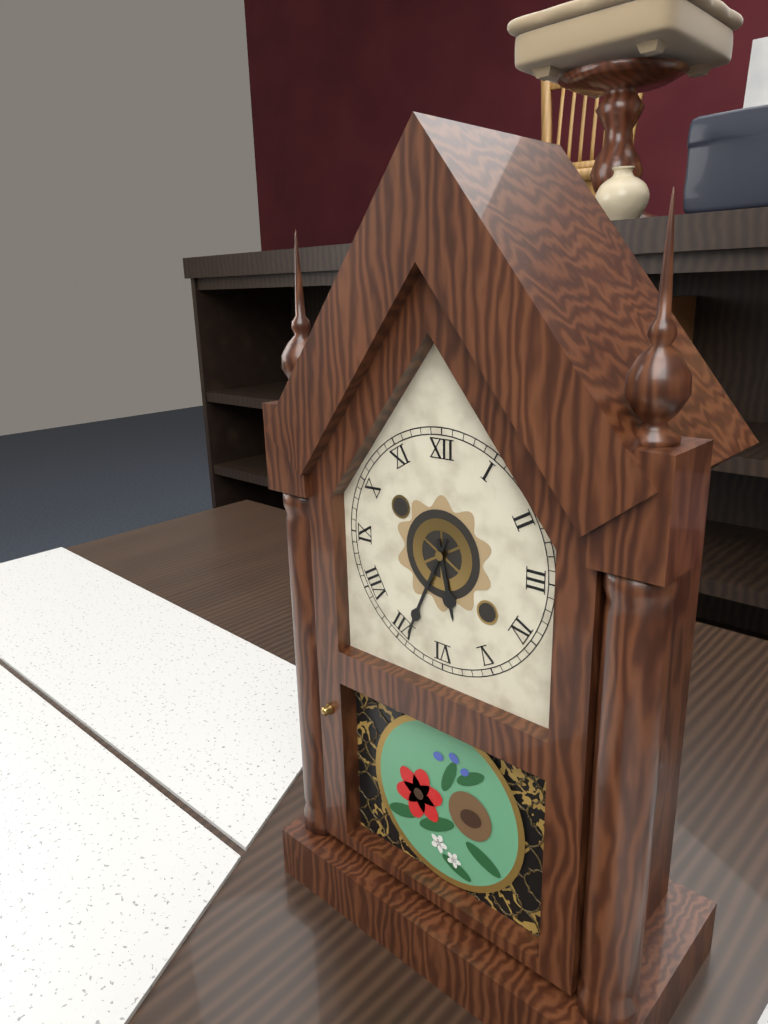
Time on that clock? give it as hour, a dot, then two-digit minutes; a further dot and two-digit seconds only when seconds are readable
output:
5.34
